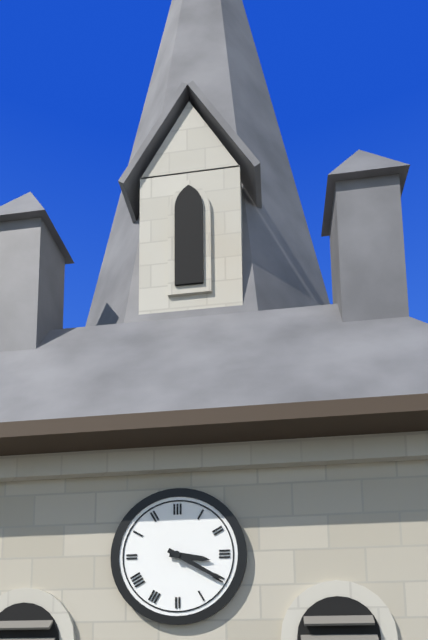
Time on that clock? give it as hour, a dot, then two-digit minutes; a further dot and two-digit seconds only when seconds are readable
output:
3.20
